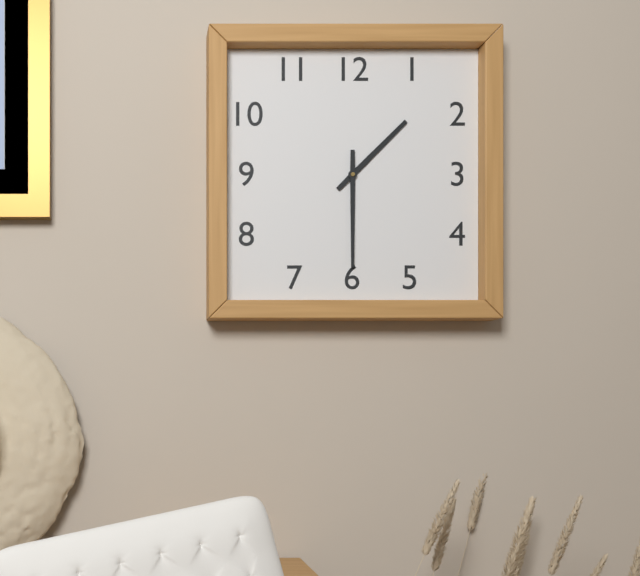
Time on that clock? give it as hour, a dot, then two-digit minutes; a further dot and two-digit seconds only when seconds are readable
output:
1.30
